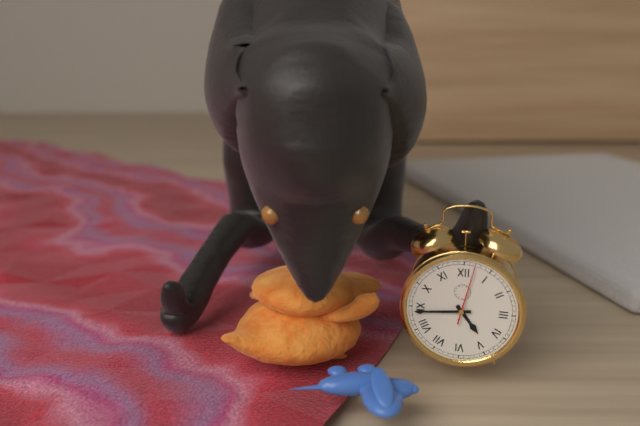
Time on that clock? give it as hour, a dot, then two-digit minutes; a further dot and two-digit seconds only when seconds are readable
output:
4.44.02
